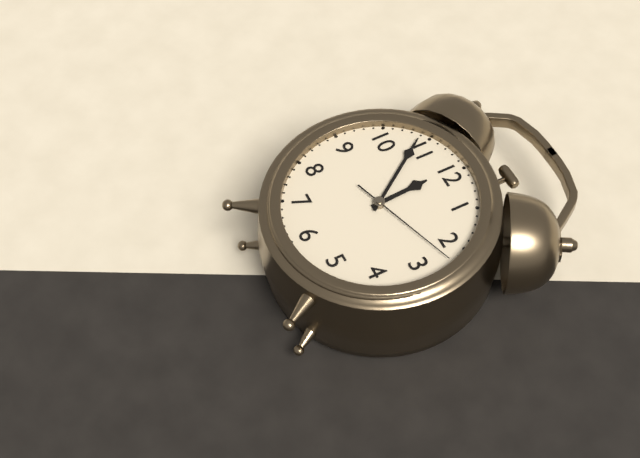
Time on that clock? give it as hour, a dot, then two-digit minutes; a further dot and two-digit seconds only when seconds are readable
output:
11.54.12
